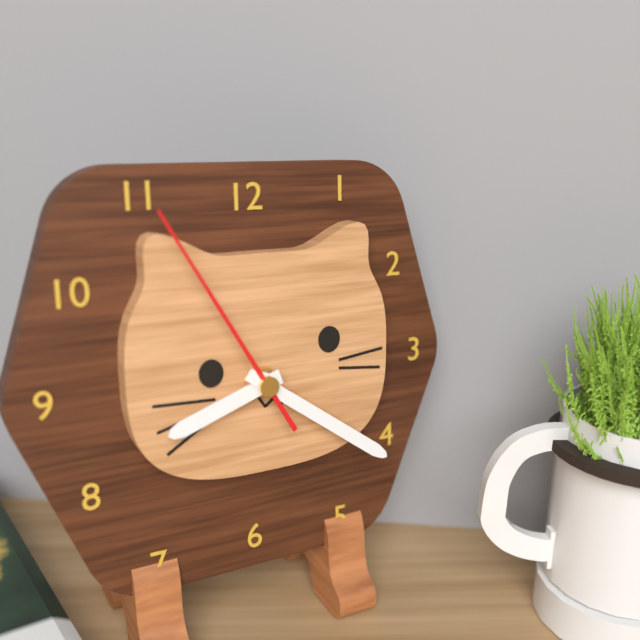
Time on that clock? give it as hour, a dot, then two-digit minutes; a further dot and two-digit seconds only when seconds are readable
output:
8.21.55
